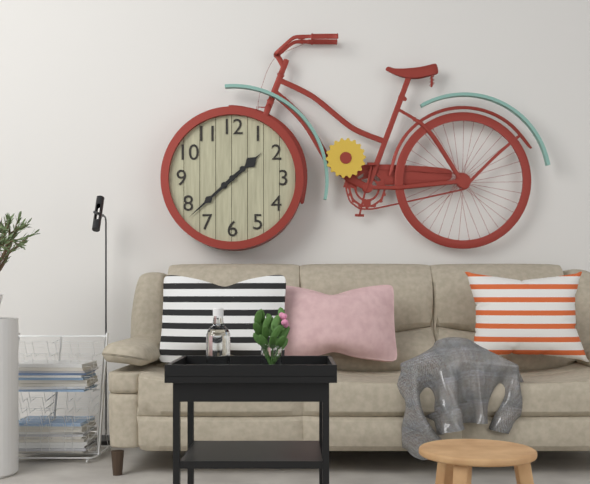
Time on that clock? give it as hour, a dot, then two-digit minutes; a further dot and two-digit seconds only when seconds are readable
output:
1.38
